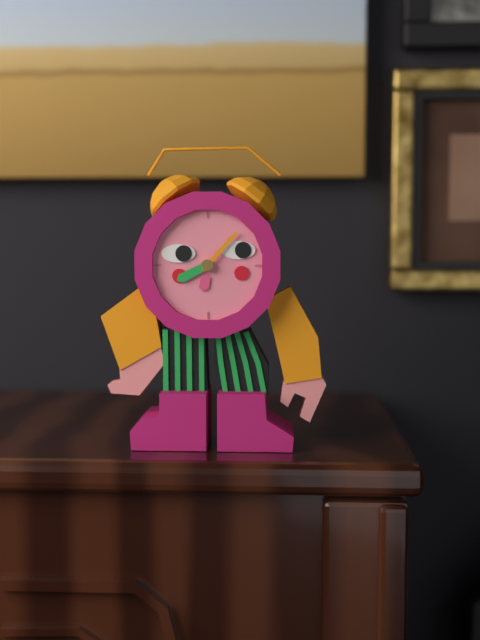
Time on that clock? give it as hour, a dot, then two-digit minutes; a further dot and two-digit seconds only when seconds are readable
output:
8.07
